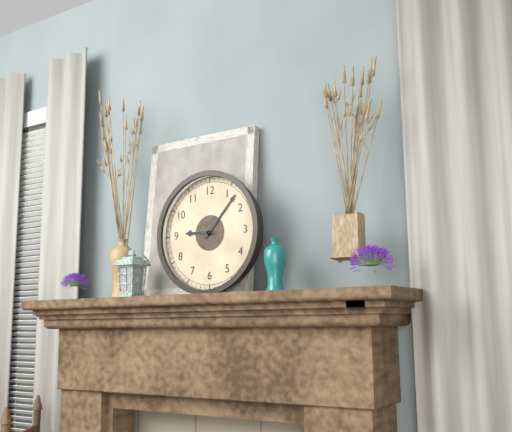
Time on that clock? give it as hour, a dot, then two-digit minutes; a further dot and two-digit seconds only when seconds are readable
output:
9.07
